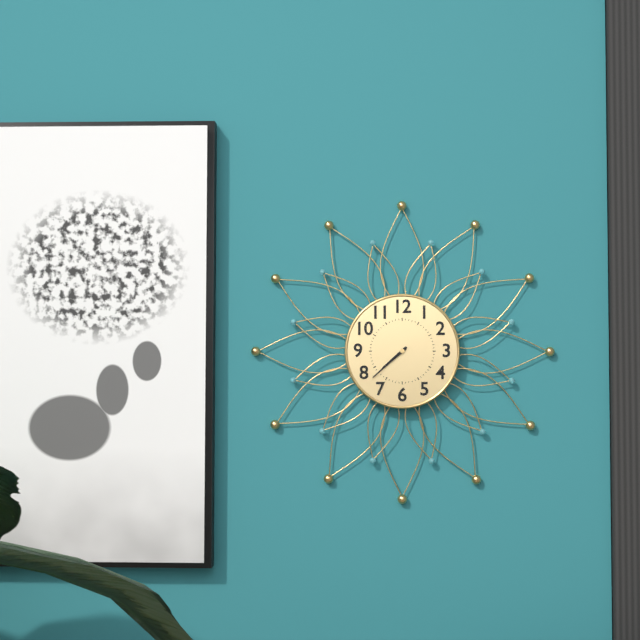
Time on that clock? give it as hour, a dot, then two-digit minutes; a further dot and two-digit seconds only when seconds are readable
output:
7.38
